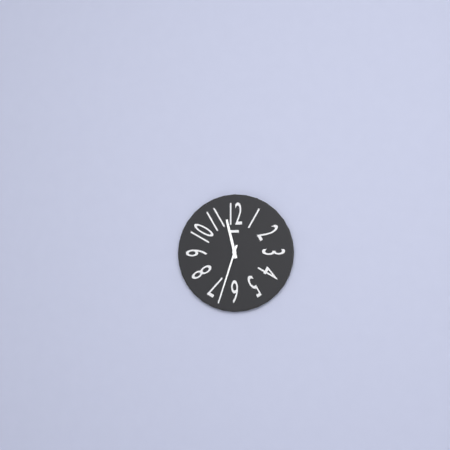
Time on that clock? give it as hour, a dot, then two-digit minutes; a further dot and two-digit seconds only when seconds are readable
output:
11.33
